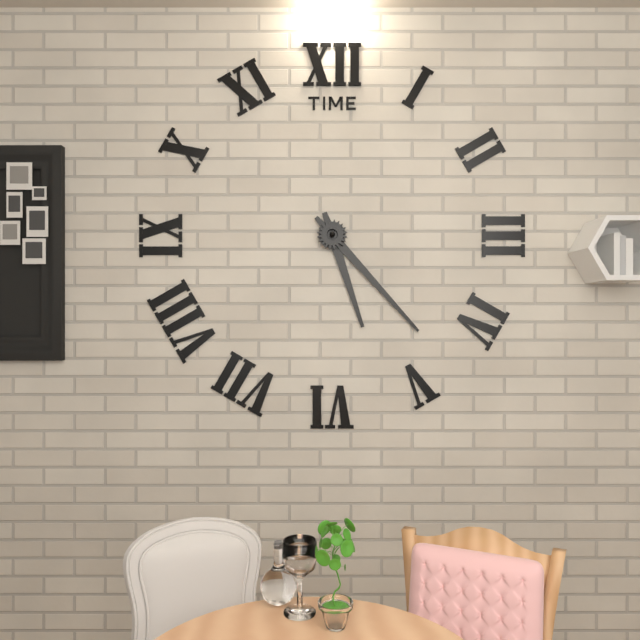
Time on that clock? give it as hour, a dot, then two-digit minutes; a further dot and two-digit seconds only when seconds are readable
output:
5.23
